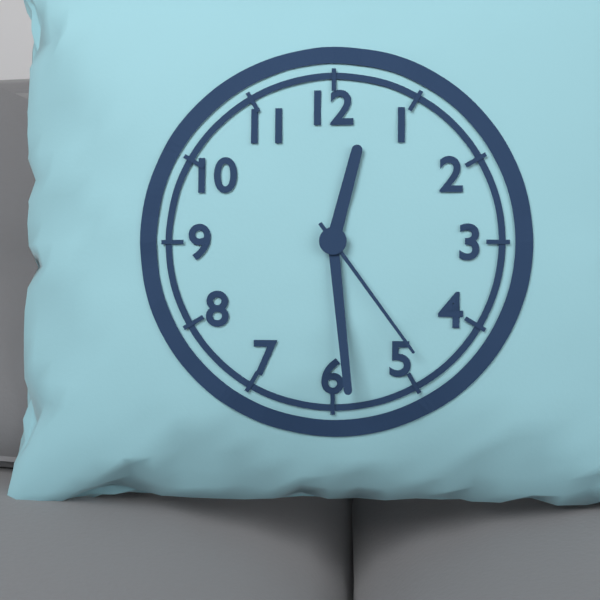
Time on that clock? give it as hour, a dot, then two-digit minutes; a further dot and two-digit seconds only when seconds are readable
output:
12.29.24
